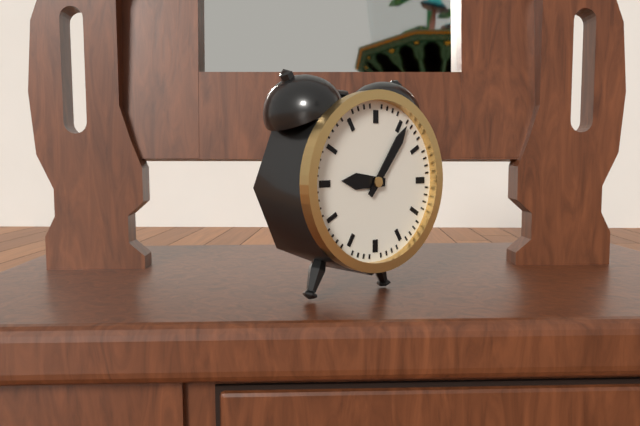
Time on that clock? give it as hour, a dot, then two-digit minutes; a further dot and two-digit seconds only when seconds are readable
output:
9.06
